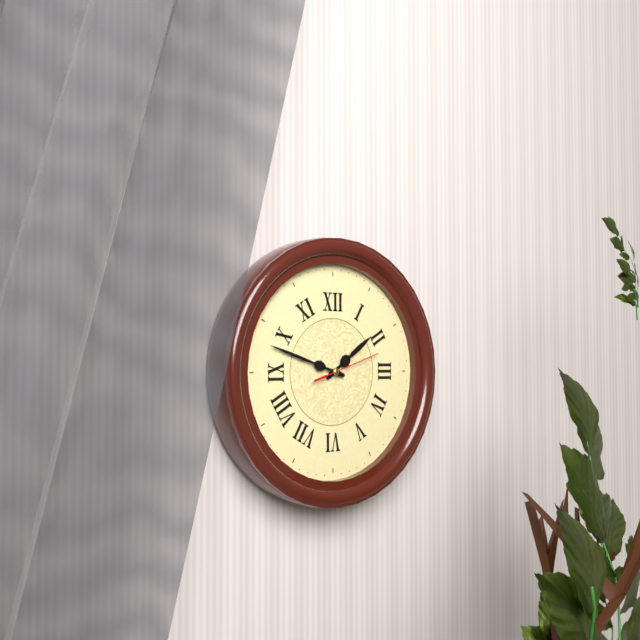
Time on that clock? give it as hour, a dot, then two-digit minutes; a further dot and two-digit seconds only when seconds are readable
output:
1.48.12
